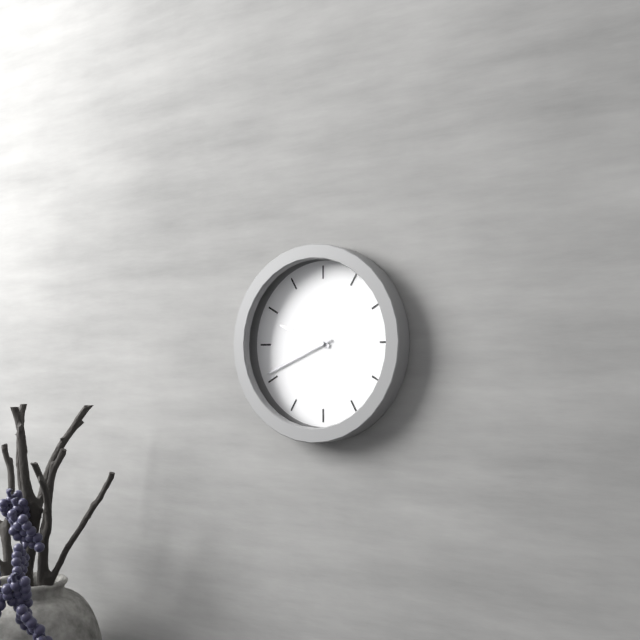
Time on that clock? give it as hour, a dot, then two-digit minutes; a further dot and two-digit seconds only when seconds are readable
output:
9.41
